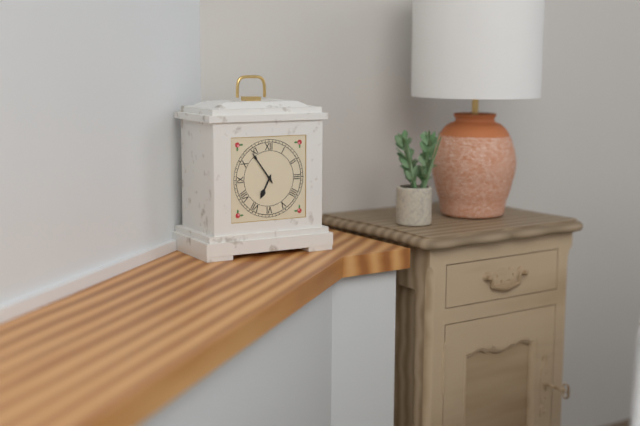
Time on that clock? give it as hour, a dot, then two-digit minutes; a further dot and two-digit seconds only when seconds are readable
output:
6.54
